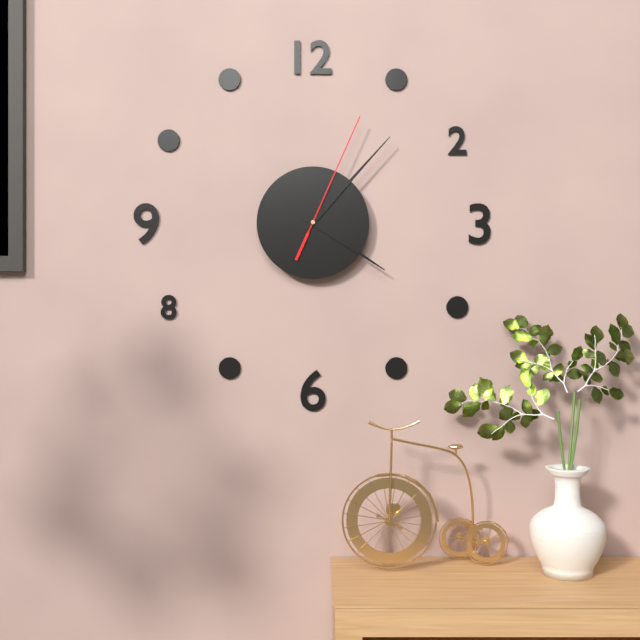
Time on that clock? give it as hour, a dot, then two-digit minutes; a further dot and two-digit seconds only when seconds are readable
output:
4.07.04
